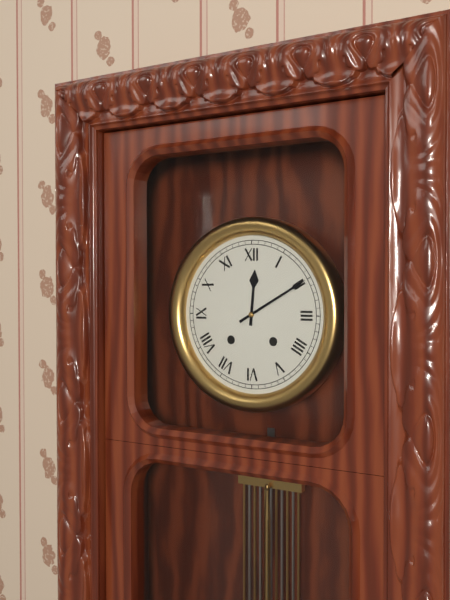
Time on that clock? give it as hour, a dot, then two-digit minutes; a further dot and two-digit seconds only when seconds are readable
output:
12.10
